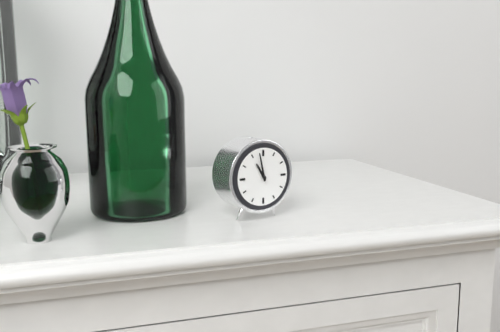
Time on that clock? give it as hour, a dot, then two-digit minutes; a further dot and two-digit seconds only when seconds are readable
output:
10.58
